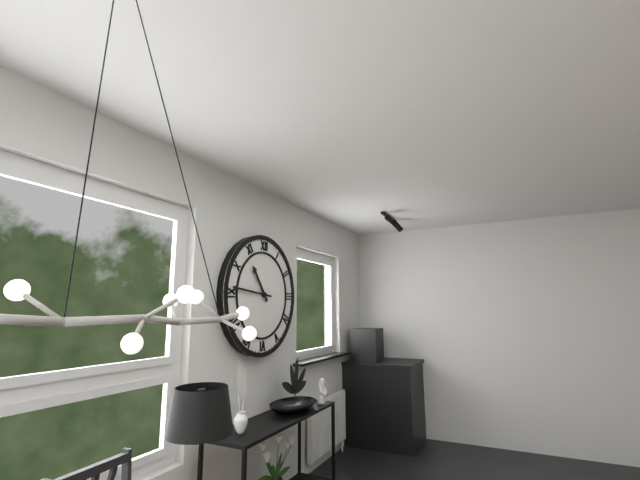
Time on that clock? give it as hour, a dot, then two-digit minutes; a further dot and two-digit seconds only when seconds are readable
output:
10.46
